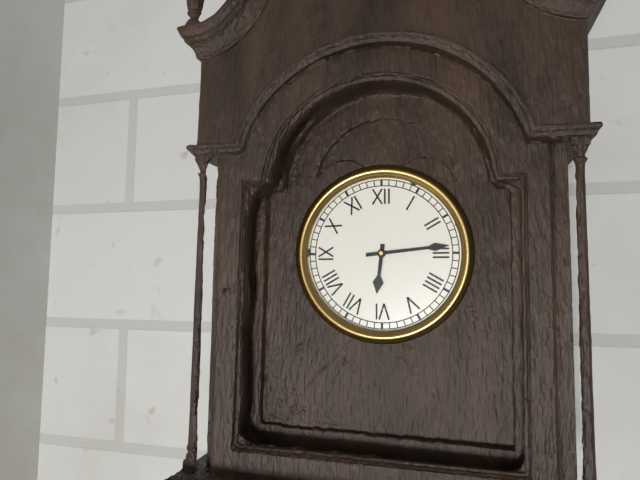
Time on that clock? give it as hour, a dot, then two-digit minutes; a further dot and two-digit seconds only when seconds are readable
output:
6.14
